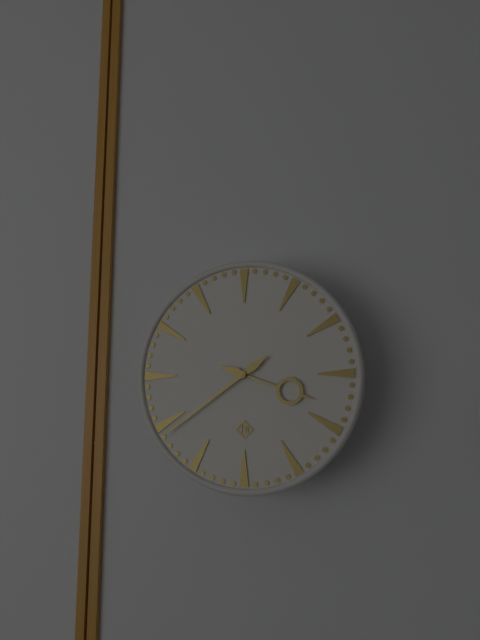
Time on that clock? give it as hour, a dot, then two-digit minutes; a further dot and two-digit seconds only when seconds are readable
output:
3.39
